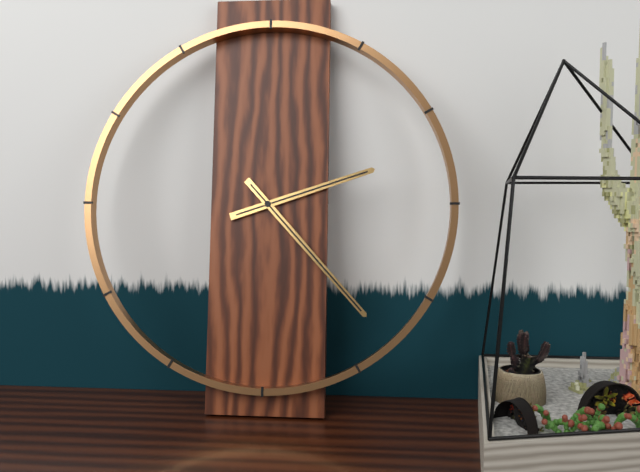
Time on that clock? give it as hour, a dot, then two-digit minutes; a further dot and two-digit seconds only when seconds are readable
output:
2.23
